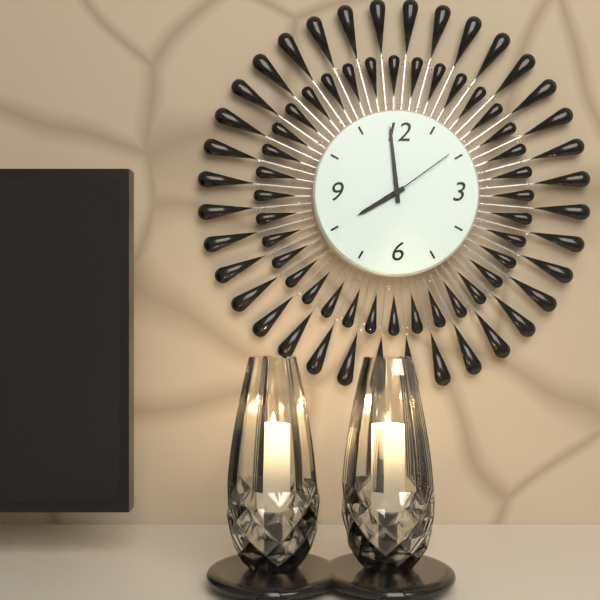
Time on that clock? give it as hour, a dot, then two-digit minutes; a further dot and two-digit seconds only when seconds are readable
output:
7.59.09
